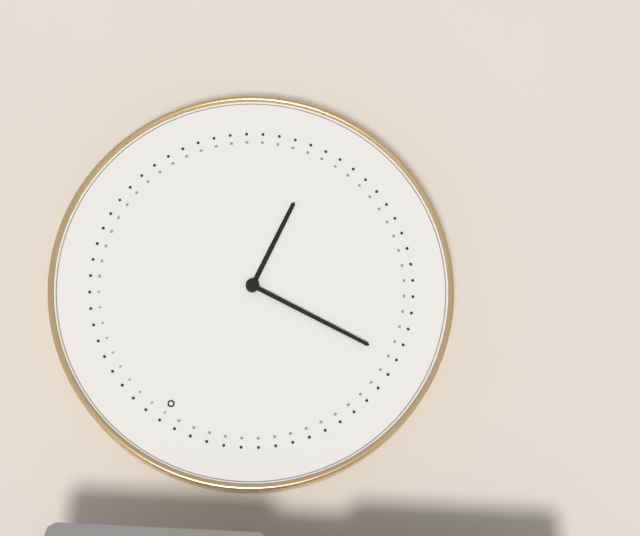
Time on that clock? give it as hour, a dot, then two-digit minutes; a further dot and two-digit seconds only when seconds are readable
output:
5.44
